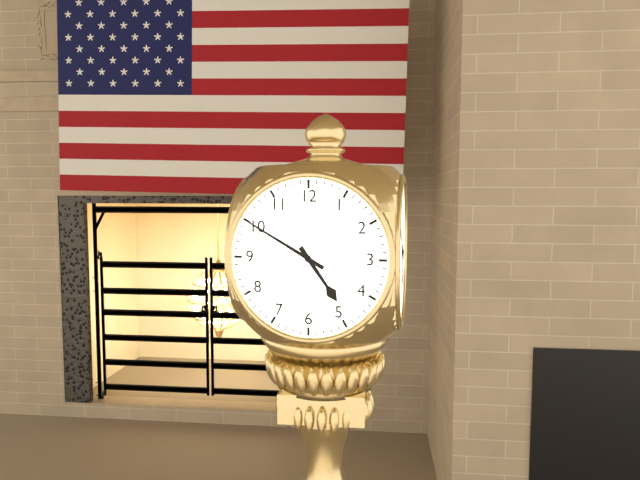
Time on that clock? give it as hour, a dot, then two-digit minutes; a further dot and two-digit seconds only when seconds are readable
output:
4.50
